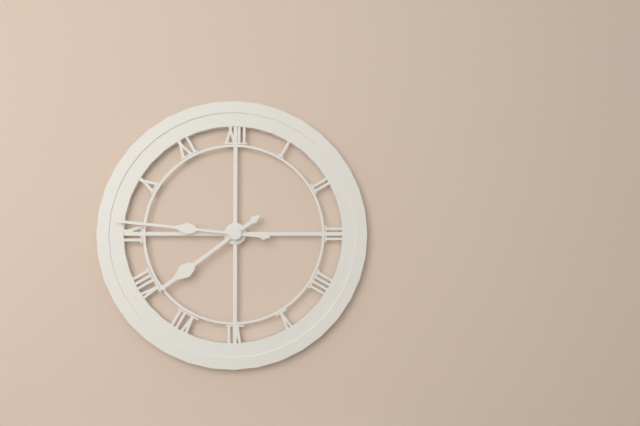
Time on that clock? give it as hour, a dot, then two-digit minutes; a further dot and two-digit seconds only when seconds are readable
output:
7.46
